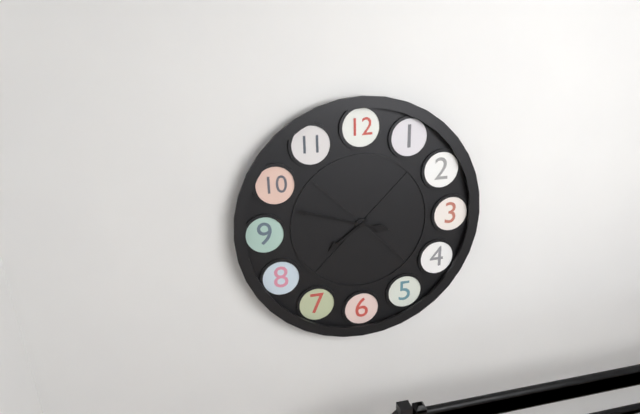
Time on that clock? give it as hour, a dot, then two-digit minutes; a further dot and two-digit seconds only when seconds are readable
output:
7.48
